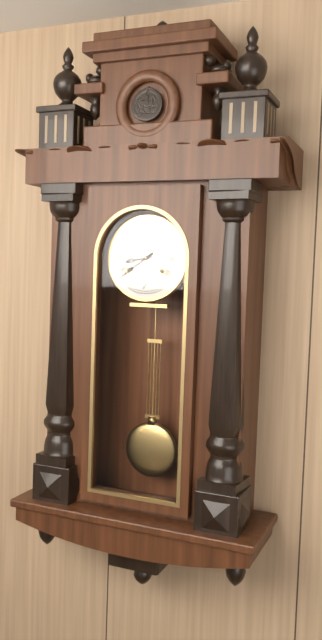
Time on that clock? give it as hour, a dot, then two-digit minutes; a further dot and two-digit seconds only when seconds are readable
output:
8.39
